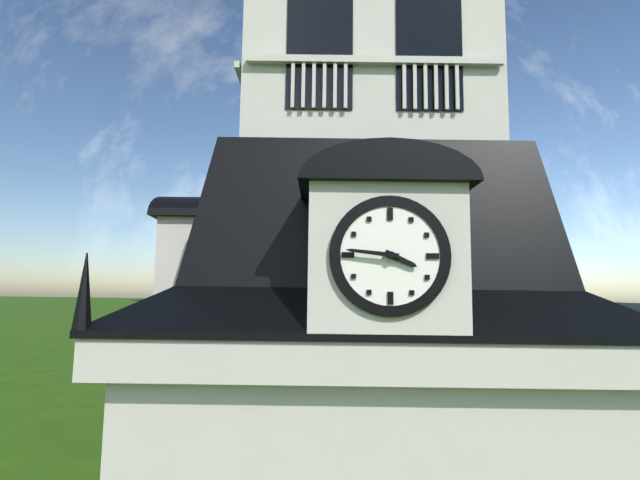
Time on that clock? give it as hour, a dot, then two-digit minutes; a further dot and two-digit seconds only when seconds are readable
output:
3.46
